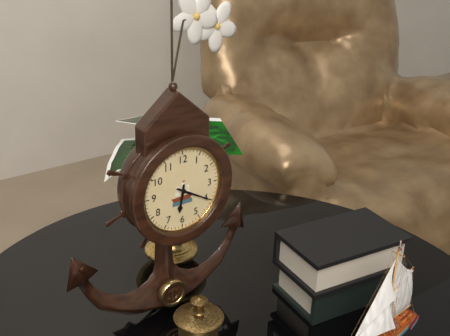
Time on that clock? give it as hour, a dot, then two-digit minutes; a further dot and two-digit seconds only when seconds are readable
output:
6.20
